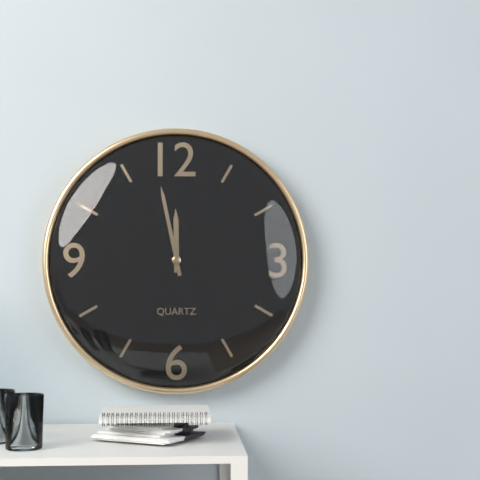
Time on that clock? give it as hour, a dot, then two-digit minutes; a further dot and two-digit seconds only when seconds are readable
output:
11.58
